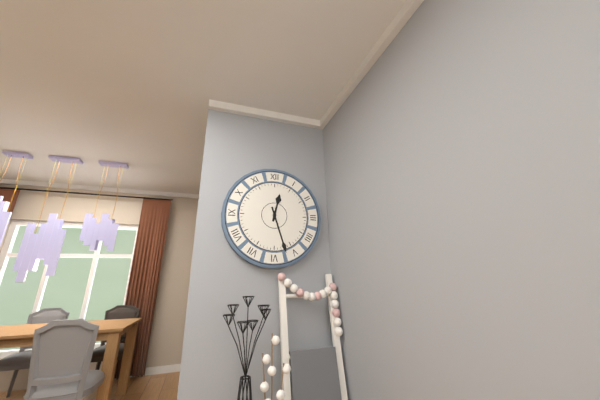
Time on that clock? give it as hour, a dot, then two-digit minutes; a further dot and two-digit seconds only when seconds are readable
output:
12.27
